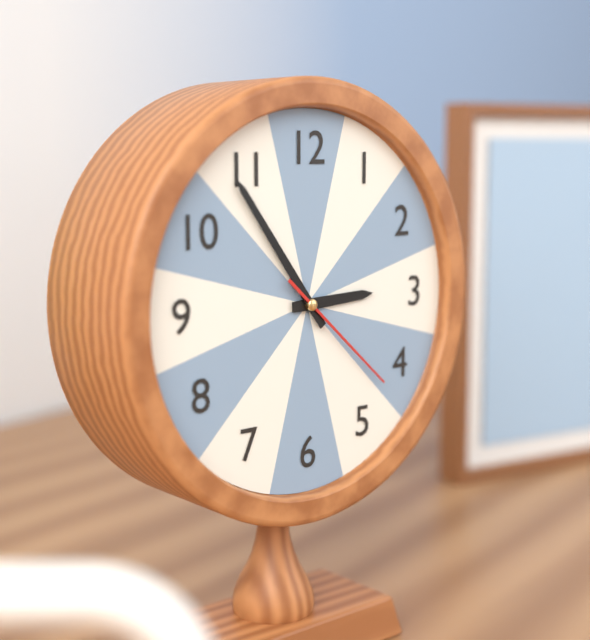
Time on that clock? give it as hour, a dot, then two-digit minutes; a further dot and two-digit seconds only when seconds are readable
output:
2.54.22
